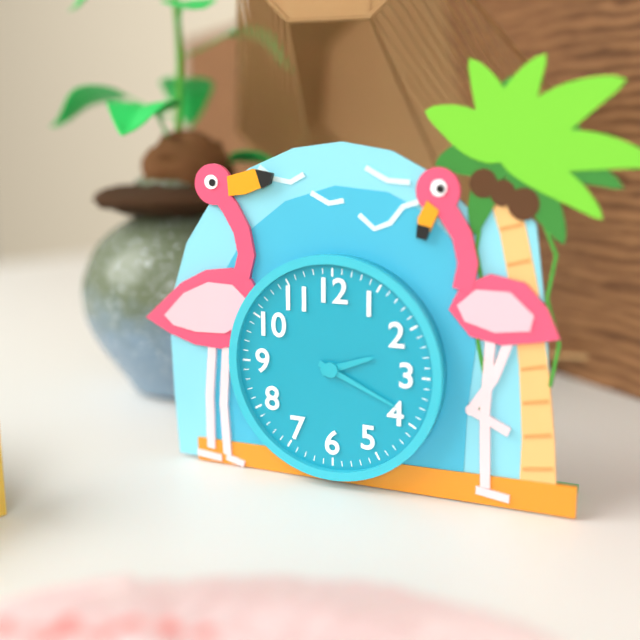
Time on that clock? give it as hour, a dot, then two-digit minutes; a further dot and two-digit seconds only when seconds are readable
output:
2.19
